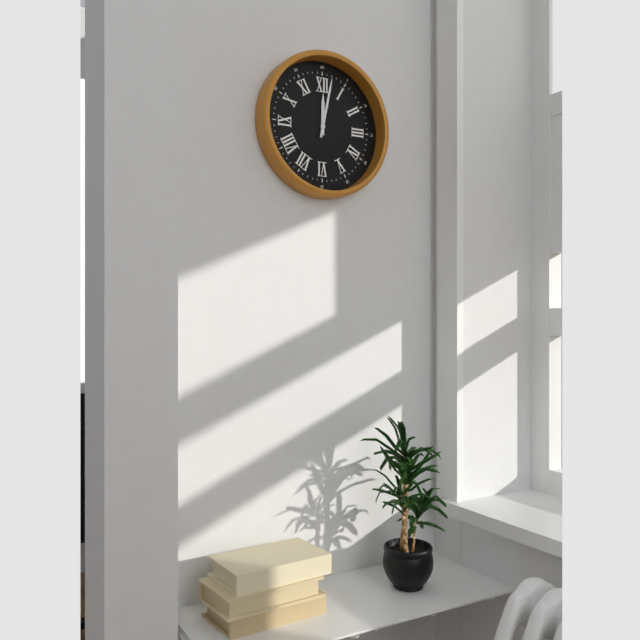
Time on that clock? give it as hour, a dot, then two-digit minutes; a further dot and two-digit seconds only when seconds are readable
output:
12.02
